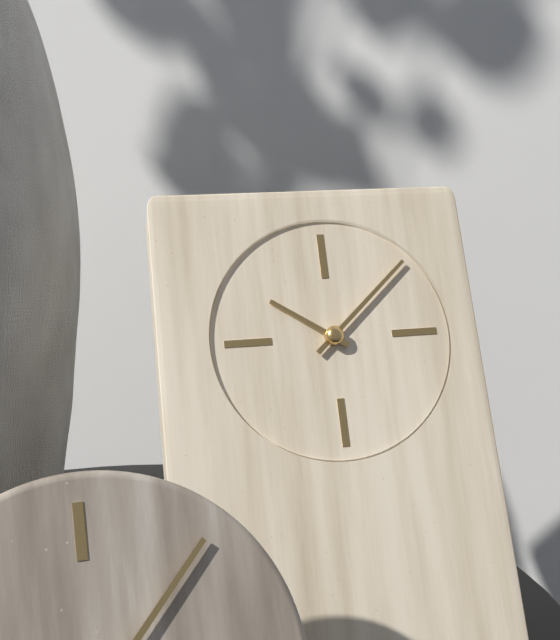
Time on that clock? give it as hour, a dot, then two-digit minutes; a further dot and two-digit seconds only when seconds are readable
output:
10.08
